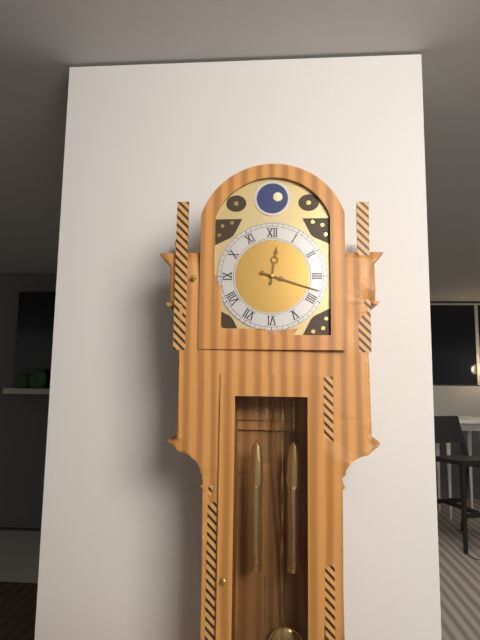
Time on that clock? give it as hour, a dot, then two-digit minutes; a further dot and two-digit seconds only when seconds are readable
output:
12.18
